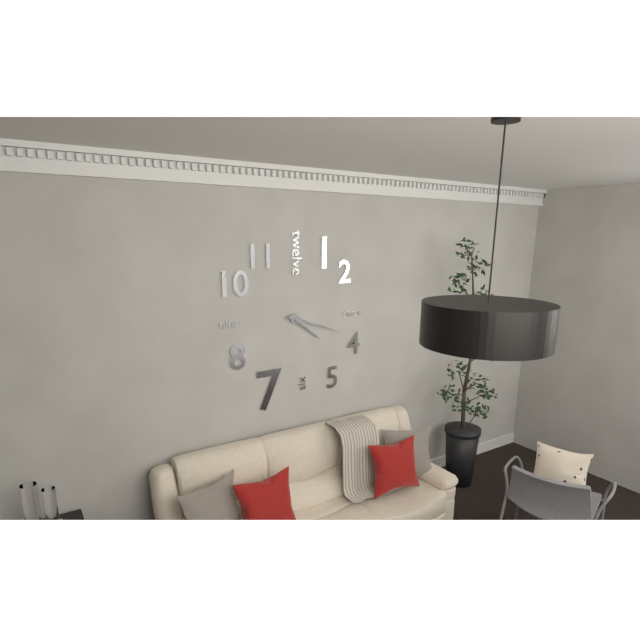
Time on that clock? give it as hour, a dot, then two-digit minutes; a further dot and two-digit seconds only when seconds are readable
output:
4.18
